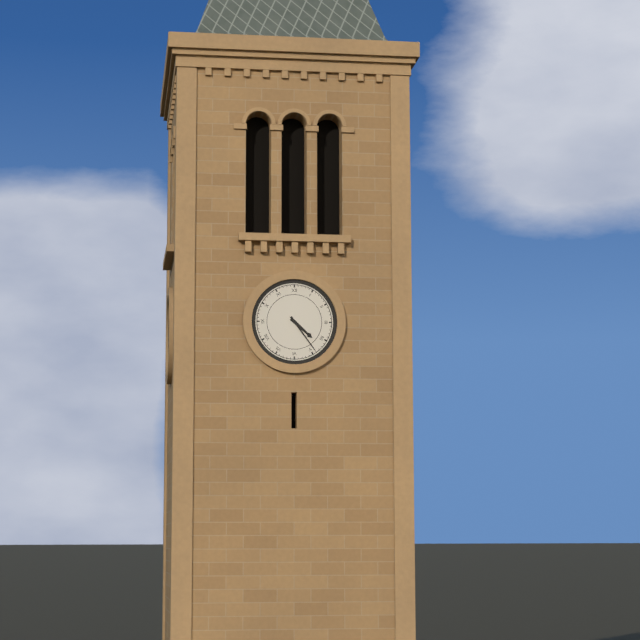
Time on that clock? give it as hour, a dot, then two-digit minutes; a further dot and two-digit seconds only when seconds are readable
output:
4.24
